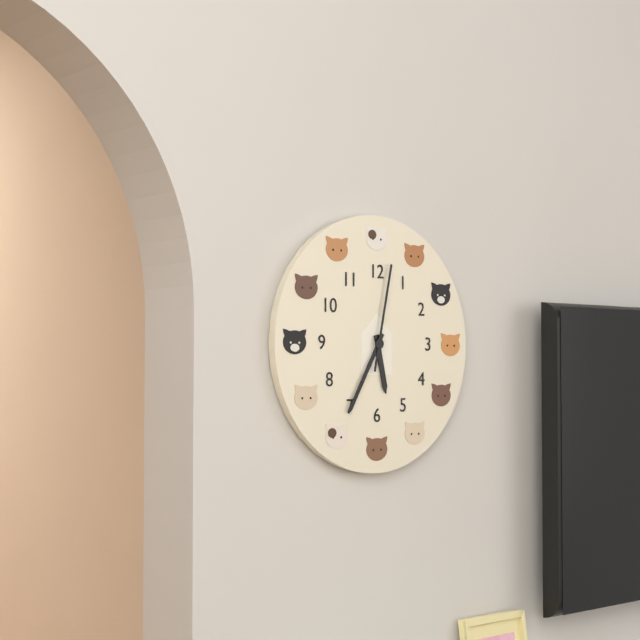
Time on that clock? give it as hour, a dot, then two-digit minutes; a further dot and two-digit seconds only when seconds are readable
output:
5.35.02
